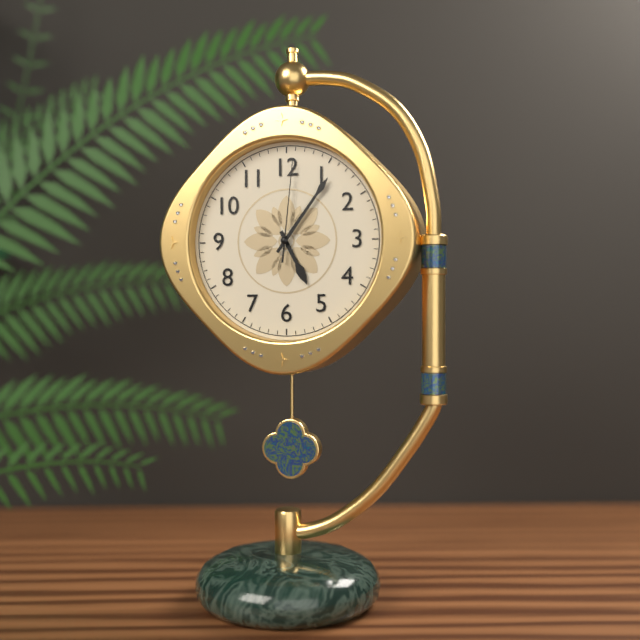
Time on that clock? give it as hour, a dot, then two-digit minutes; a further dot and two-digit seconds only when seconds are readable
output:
5.06.01
